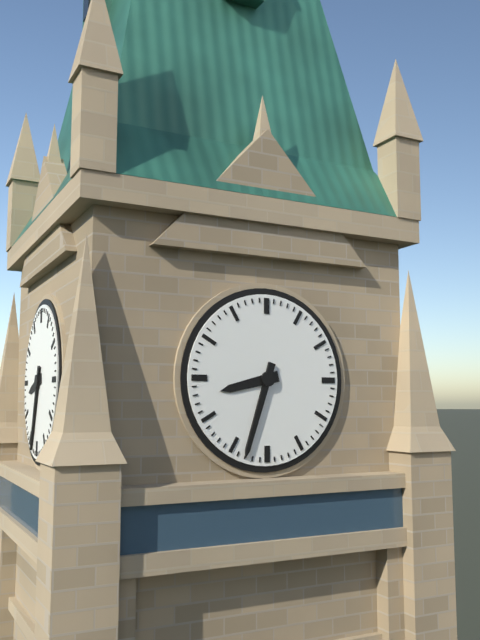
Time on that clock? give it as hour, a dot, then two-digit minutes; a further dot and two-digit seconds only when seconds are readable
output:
8.33
